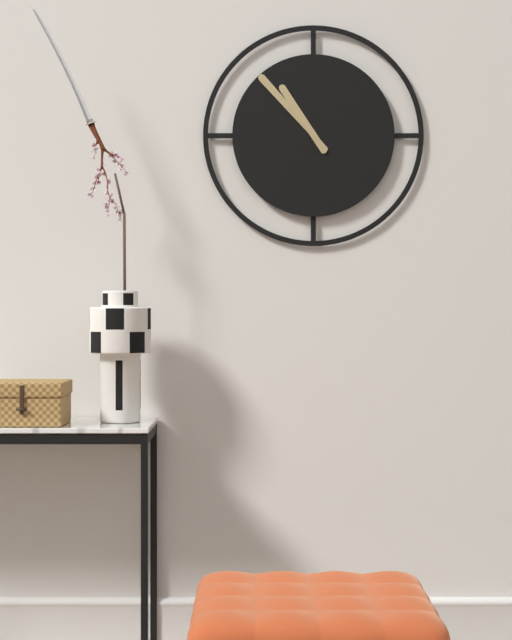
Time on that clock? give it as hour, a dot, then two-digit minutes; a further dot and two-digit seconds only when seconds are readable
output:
10.53
